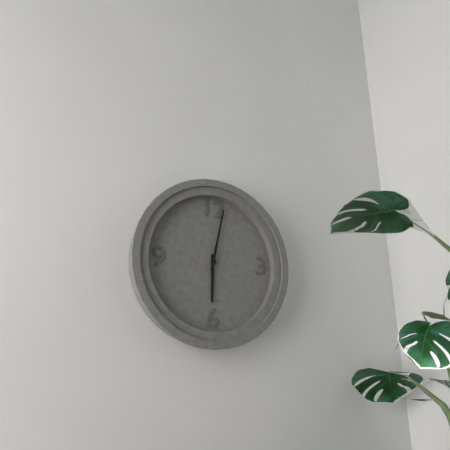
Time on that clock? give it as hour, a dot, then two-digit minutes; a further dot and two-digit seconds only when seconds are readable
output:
6.02
